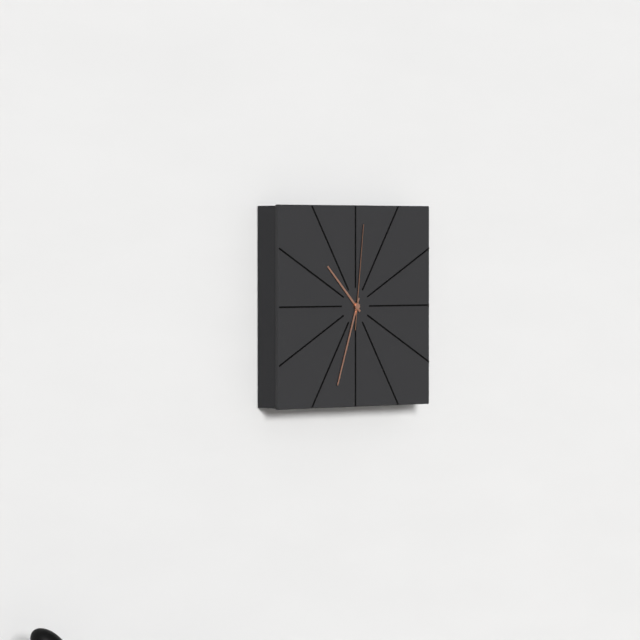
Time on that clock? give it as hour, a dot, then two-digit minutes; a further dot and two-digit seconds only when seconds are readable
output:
10.33.01
